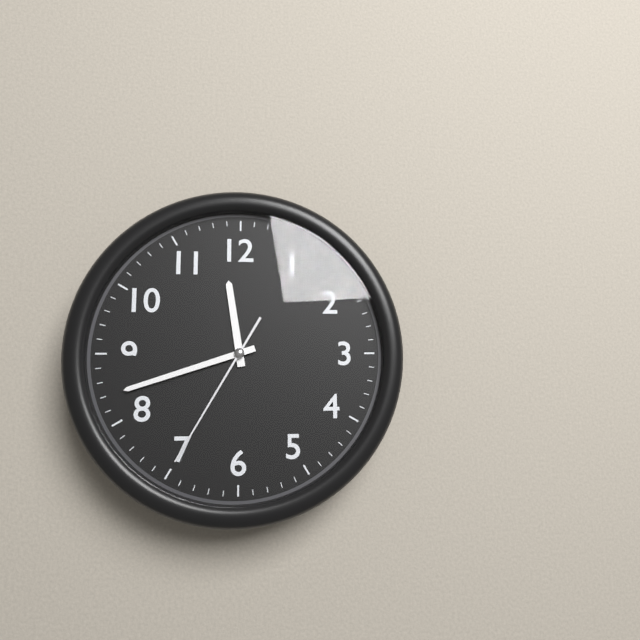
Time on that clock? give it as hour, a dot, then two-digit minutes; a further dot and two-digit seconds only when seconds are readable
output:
11.42.35
